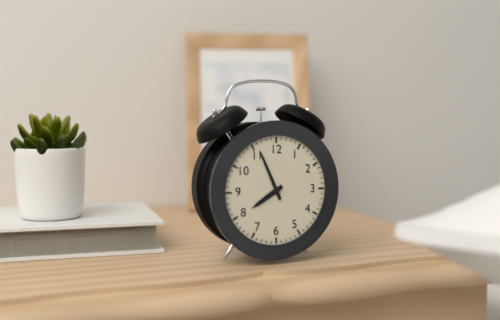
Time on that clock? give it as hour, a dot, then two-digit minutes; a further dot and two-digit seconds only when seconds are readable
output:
7.56
